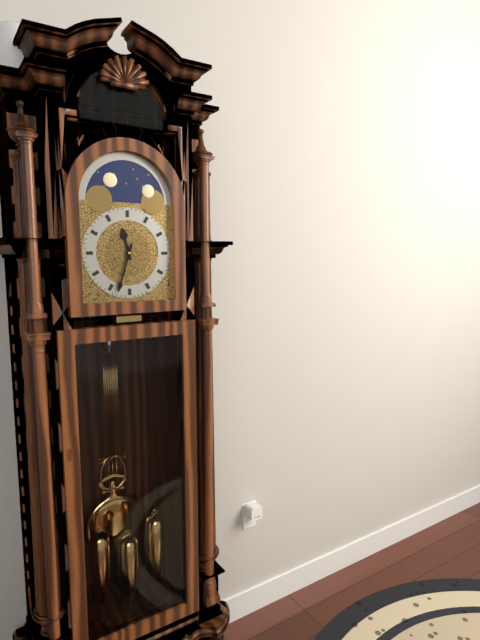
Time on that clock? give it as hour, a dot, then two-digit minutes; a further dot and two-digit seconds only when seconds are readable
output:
11.33
